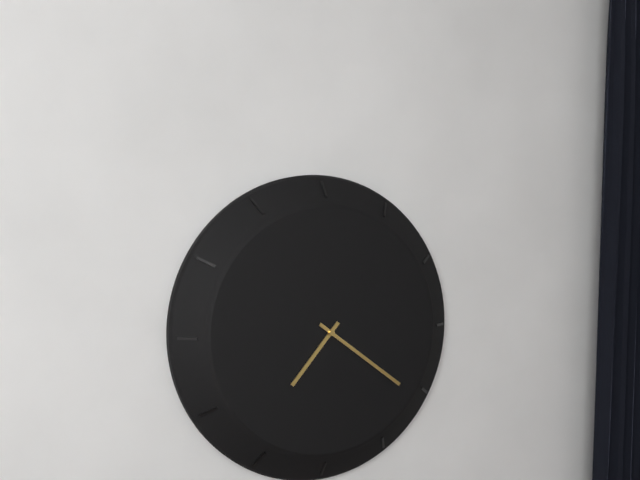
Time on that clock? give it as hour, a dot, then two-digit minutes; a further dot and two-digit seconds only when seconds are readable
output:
7.21
